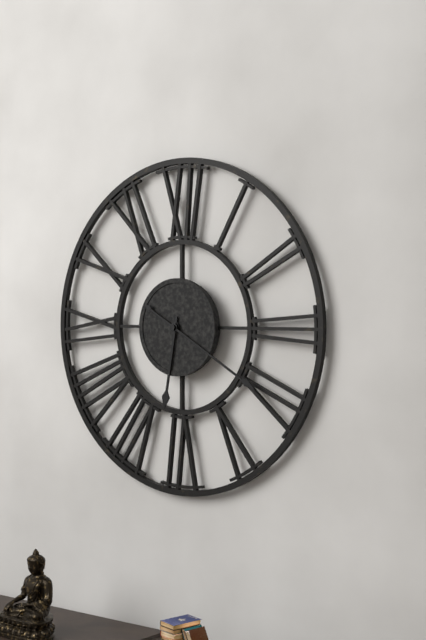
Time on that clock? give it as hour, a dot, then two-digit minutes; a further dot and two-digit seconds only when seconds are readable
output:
6.20
